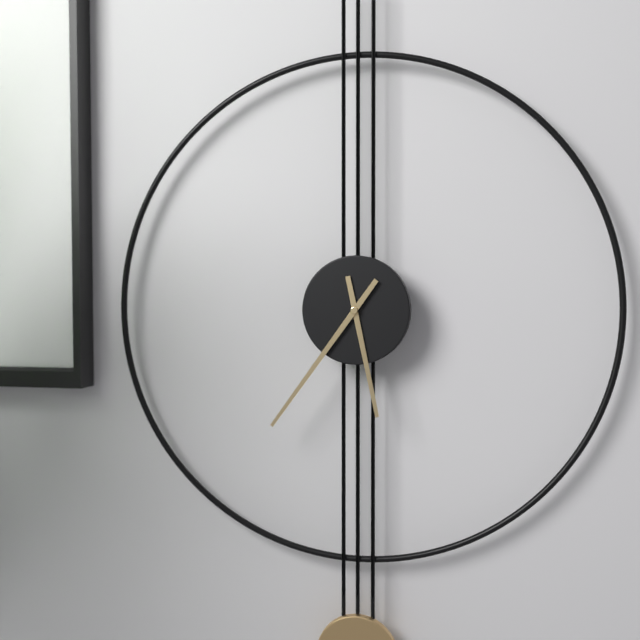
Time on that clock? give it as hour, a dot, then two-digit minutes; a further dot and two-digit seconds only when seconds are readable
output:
5.36
